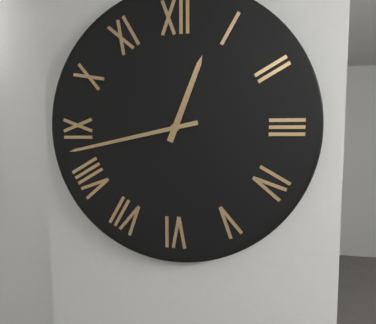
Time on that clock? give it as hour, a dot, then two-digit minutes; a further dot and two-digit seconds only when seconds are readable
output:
12.43
